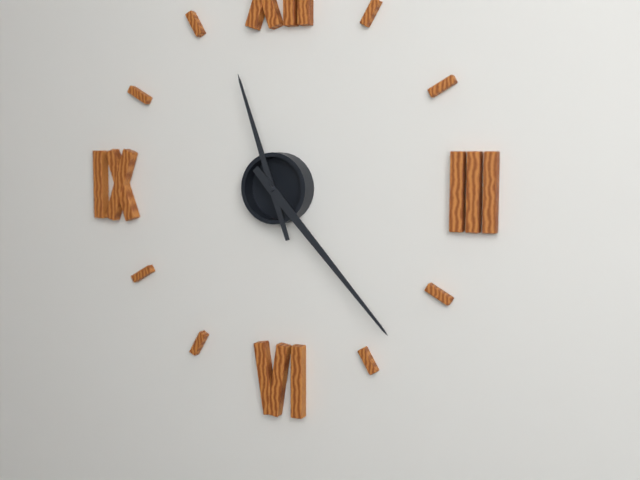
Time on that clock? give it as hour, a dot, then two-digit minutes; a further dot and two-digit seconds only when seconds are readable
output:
11.23
